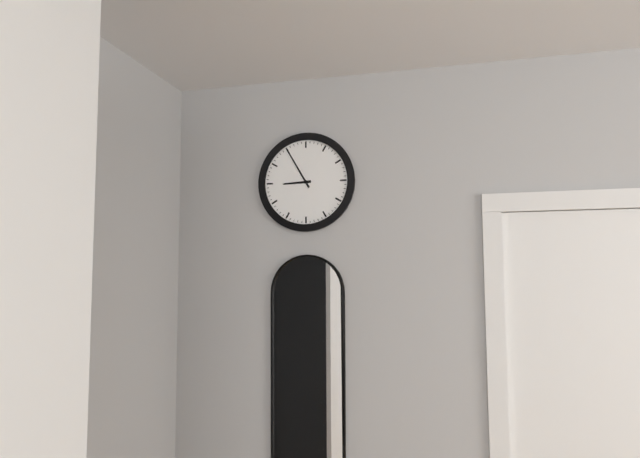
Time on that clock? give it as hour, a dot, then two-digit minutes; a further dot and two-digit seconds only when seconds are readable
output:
8.55
